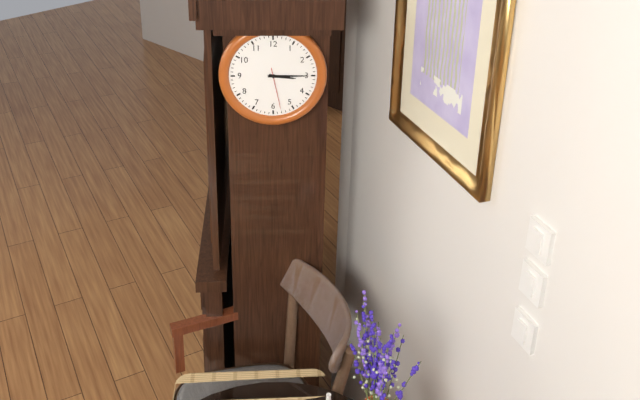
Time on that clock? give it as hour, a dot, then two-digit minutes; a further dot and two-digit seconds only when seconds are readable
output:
3.15
